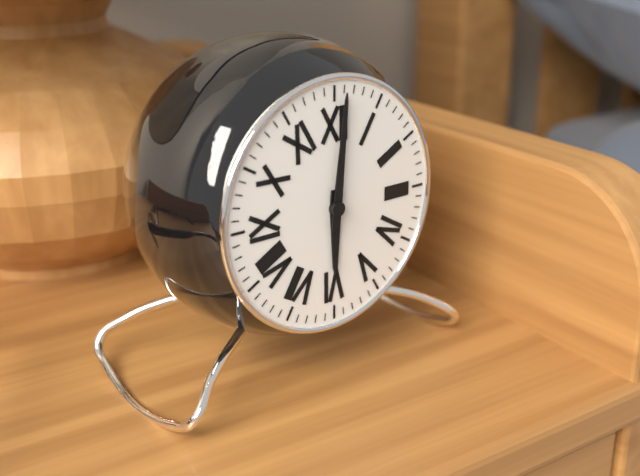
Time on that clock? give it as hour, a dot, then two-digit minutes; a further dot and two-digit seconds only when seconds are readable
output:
6.01
